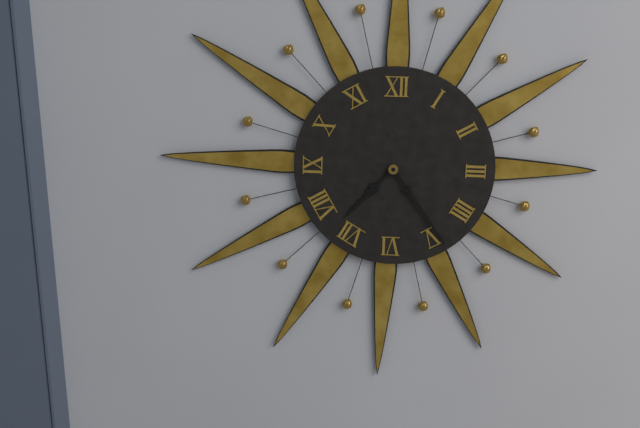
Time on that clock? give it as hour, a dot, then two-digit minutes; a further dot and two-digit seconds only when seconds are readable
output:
7.24
